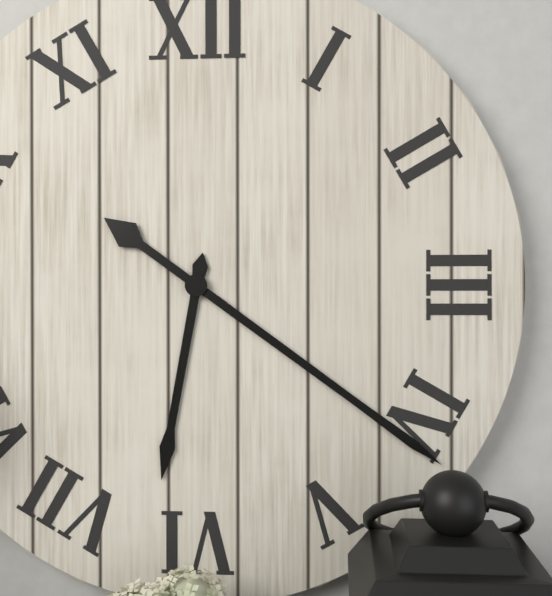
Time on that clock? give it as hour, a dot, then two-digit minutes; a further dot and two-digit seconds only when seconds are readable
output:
6.21
